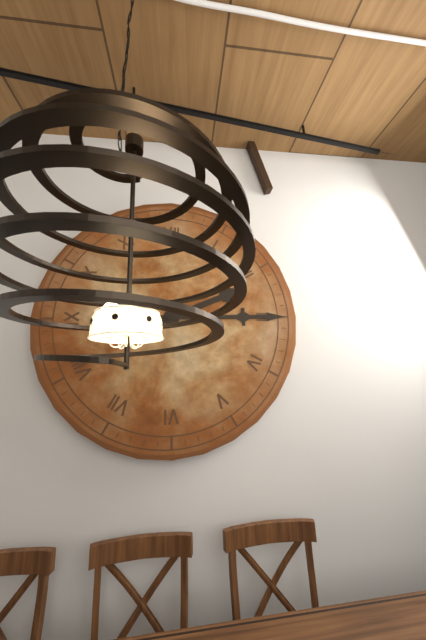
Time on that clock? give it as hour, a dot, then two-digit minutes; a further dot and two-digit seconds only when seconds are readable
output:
2.15
